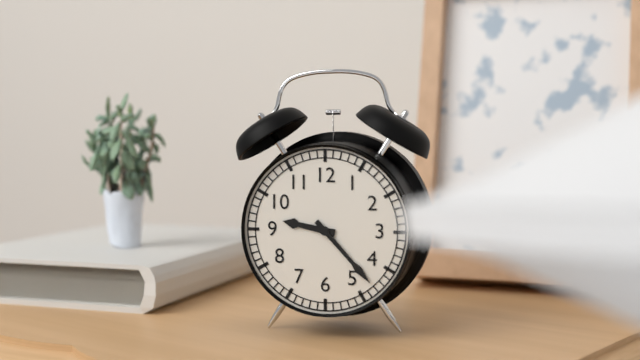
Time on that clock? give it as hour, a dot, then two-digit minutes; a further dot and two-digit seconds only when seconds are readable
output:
9.23
